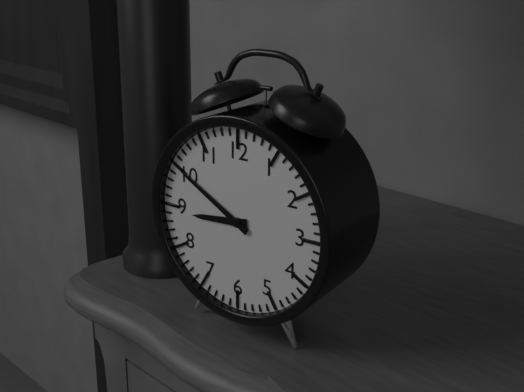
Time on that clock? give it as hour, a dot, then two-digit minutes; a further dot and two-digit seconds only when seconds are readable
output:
8.50
